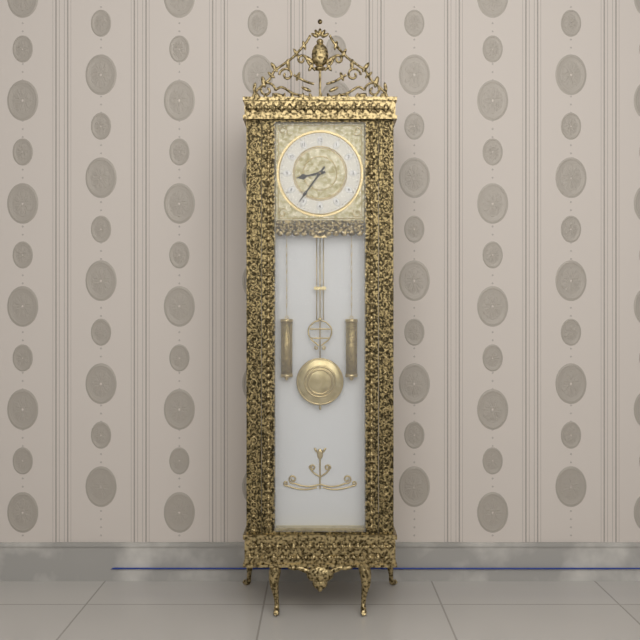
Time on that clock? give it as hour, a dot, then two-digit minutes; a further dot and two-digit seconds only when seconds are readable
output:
8.36
